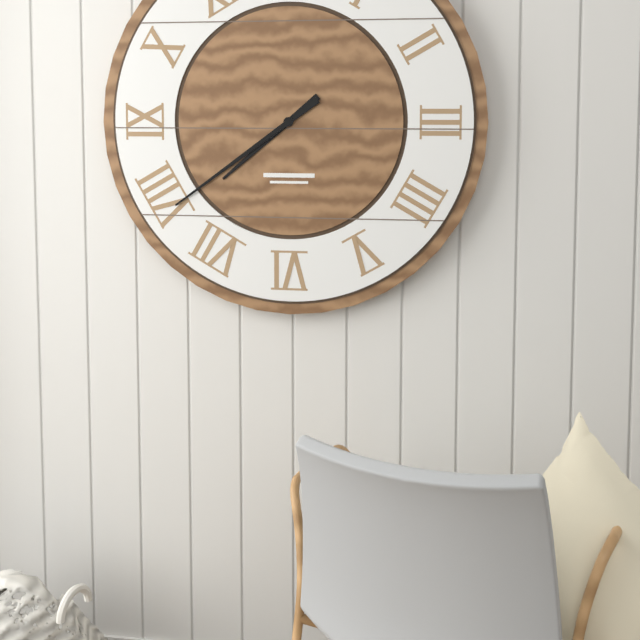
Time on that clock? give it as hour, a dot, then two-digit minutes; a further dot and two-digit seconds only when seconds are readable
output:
7.39
